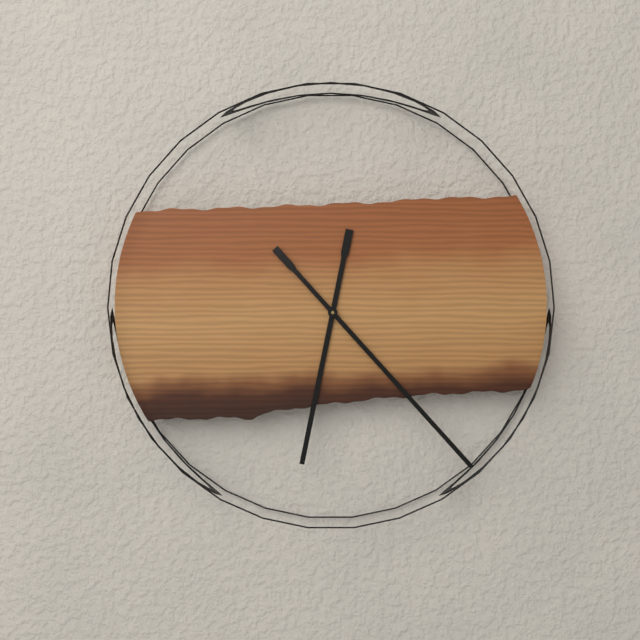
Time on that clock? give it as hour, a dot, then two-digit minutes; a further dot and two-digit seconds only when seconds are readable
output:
6.23
